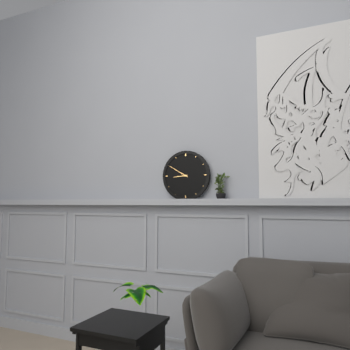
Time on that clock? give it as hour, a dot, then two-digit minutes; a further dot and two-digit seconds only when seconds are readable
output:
8.50
